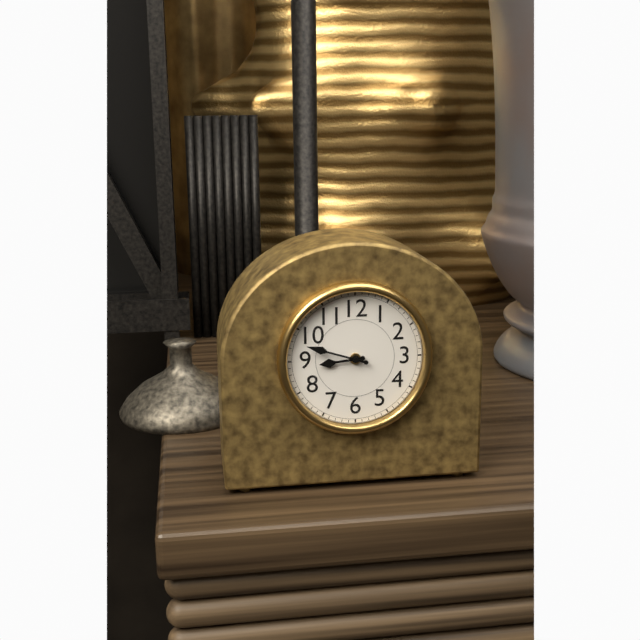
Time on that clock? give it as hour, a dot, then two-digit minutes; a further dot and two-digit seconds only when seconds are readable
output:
8.48
